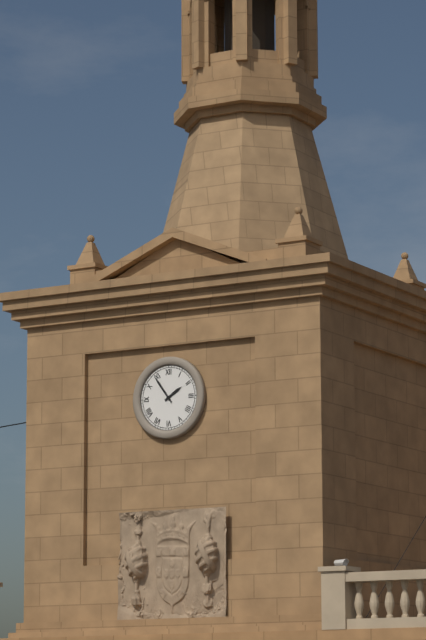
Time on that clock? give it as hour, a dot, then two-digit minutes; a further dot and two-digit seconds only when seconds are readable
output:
1.54
